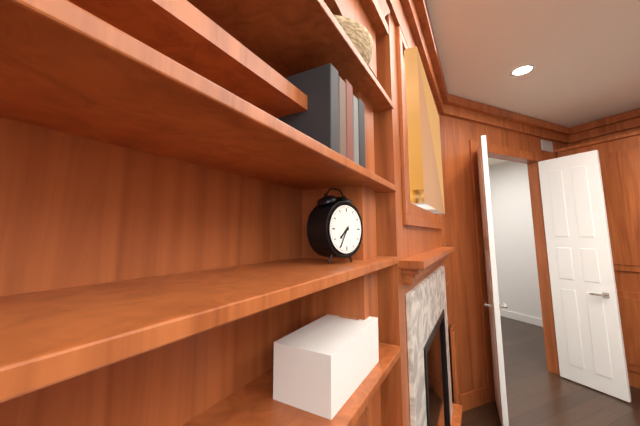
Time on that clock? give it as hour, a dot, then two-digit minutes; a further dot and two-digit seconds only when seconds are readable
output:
7.35
